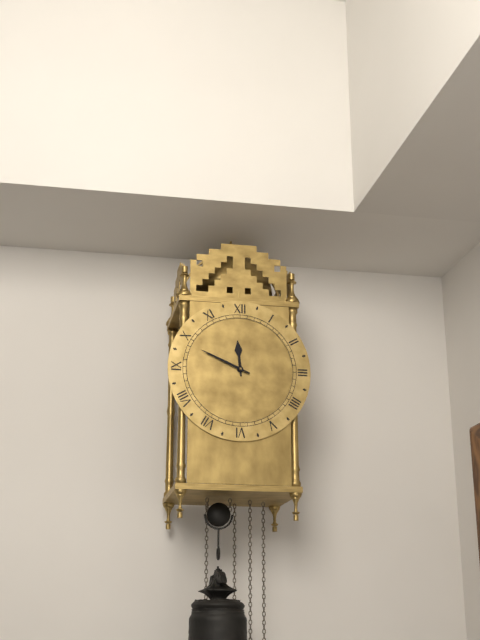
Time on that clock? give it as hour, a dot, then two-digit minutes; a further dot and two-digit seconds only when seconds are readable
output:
11.49
